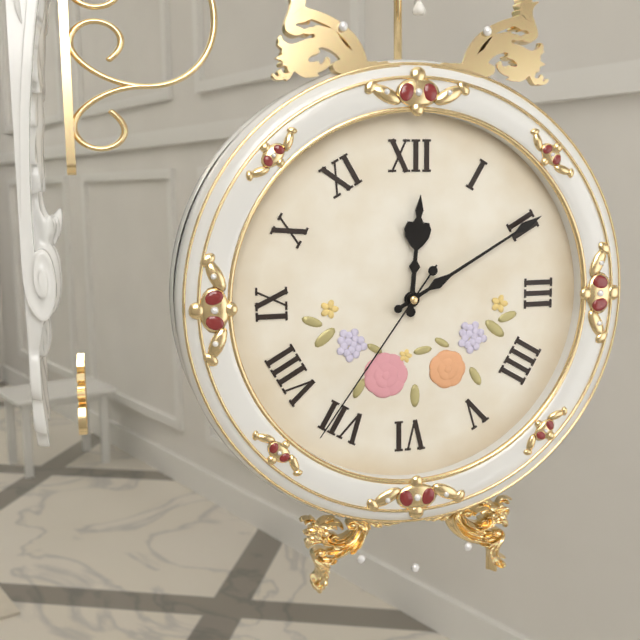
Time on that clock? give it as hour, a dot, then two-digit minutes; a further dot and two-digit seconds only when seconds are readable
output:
12.10.36
